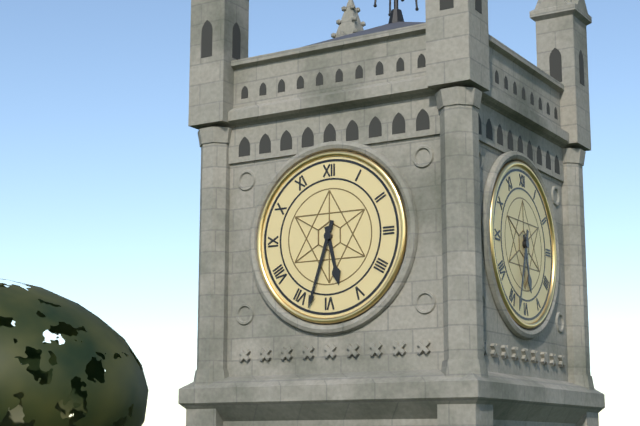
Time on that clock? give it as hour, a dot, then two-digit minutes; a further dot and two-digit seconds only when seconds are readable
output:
5.33
